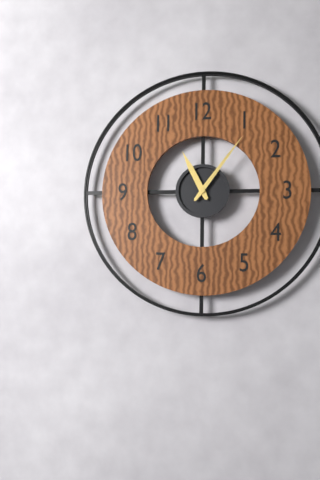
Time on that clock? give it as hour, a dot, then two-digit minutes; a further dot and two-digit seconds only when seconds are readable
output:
11.06
